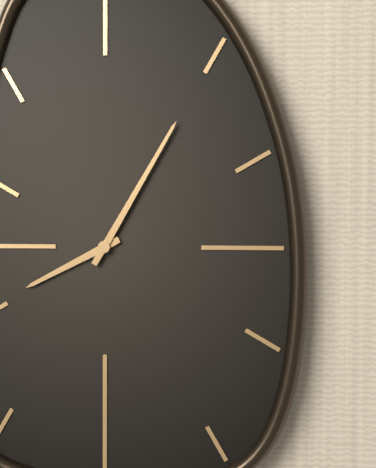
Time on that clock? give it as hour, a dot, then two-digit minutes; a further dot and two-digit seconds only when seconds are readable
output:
8.05
